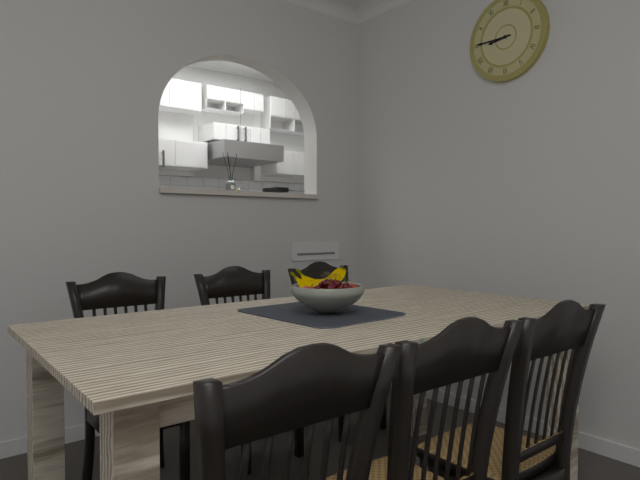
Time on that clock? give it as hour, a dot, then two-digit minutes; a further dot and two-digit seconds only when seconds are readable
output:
8.45
